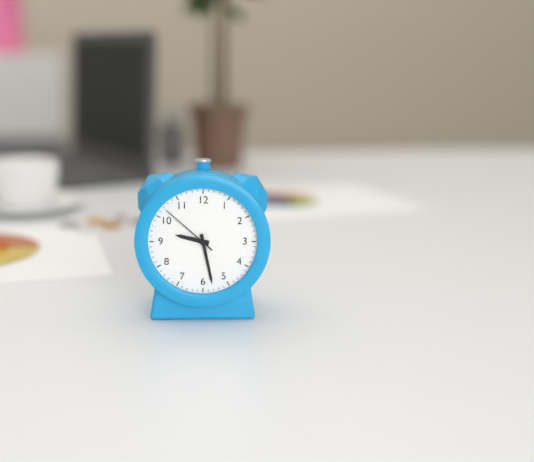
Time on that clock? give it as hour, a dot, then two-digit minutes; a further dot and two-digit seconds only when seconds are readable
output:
9.28.52
